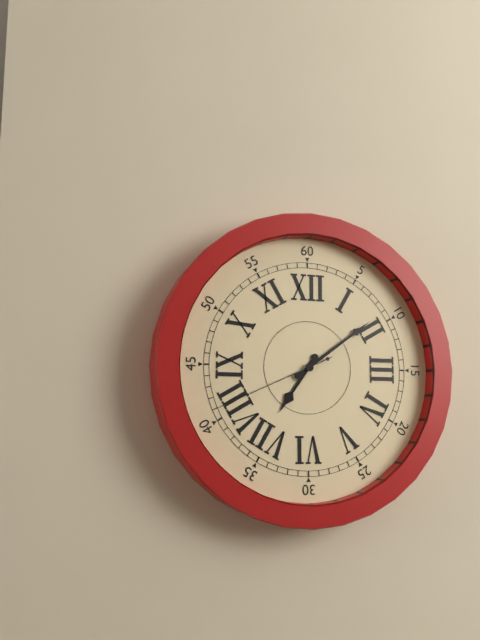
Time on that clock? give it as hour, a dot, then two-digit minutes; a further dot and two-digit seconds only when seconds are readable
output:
7.09.41
